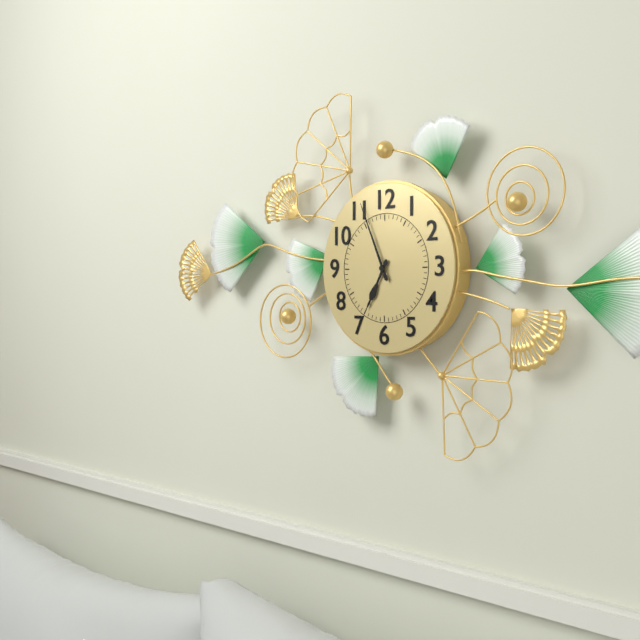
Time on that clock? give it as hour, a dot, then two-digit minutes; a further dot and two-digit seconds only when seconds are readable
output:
6.56
